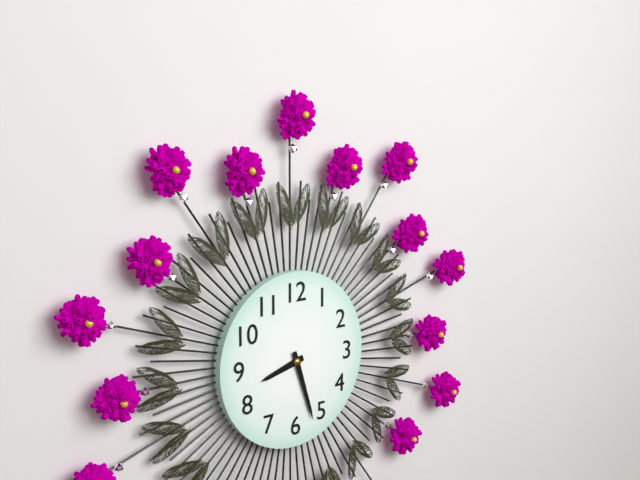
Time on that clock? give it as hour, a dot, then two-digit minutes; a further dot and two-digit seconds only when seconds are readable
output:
8.27
